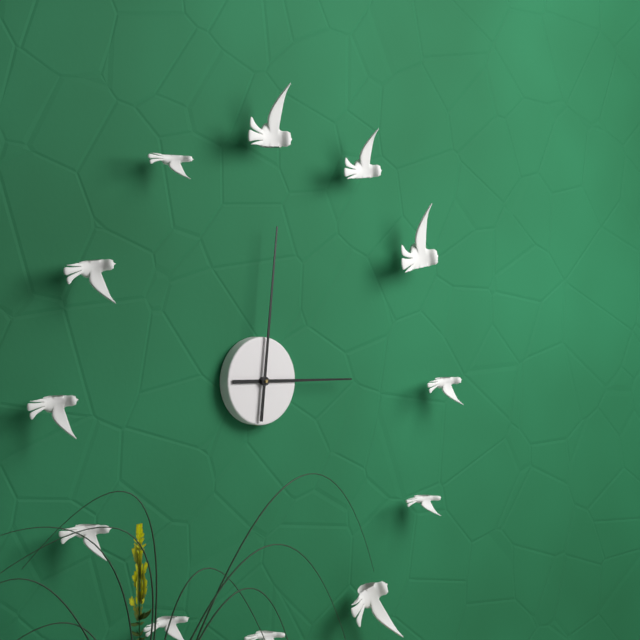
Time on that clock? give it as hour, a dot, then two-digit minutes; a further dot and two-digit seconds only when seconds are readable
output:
3.01
